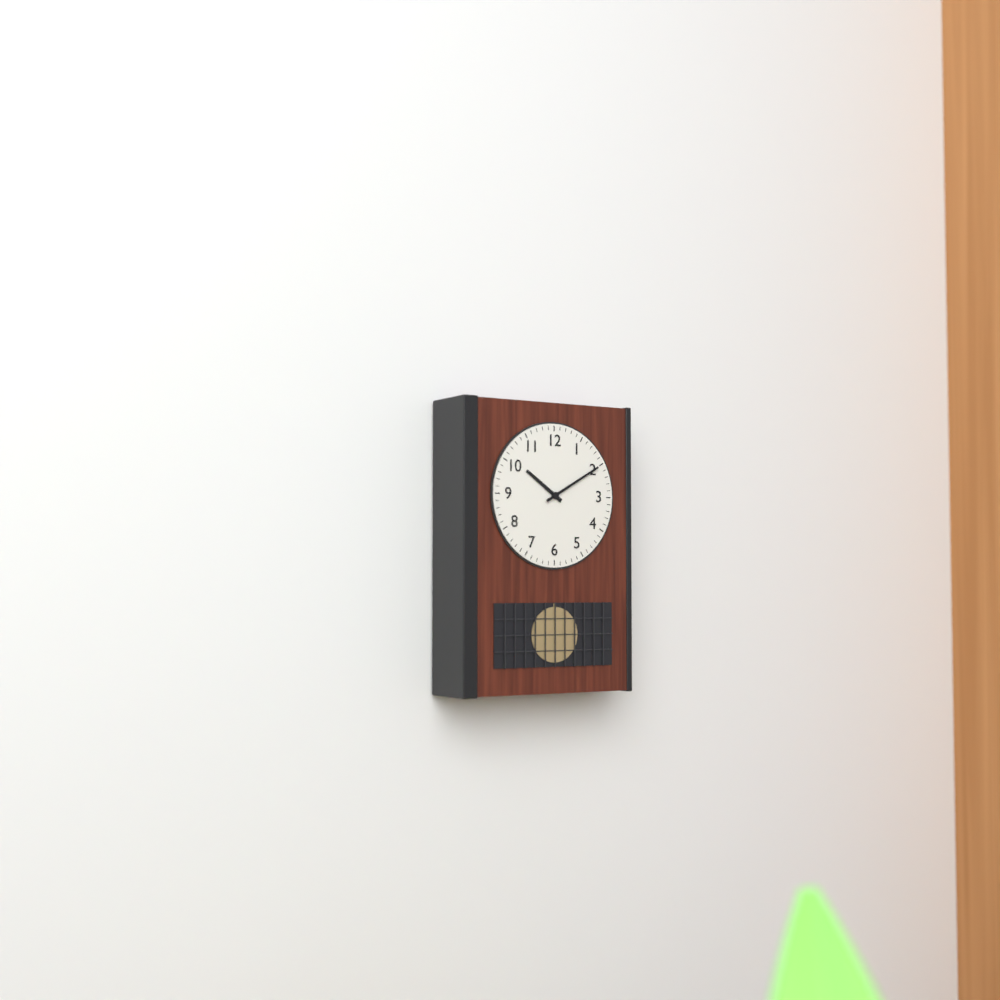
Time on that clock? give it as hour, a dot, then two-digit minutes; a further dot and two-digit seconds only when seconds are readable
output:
10.10
